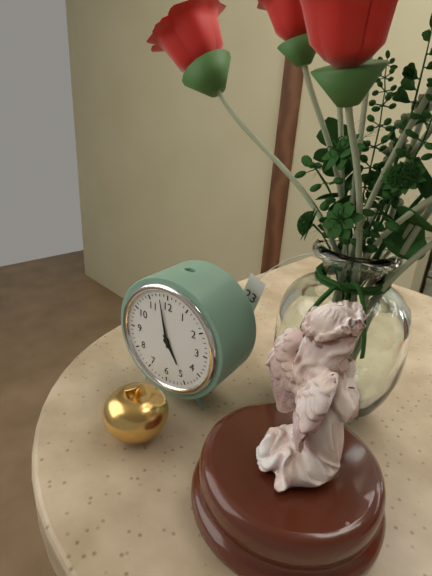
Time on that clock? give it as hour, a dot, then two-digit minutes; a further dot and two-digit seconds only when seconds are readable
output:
4.58
